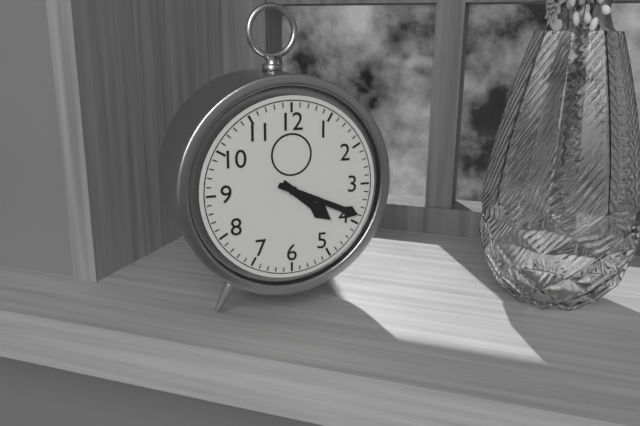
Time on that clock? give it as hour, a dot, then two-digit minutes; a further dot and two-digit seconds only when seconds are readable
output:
4.19
